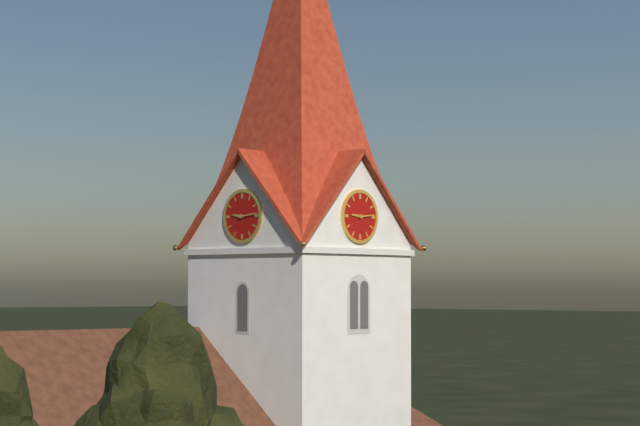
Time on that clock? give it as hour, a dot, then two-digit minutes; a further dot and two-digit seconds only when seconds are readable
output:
9.14
